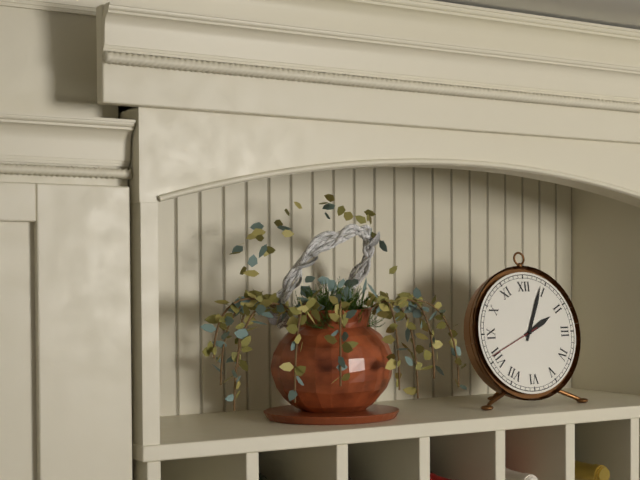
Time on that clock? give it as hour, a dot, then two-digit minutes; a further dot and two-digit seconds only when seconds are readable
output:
2.04.41
